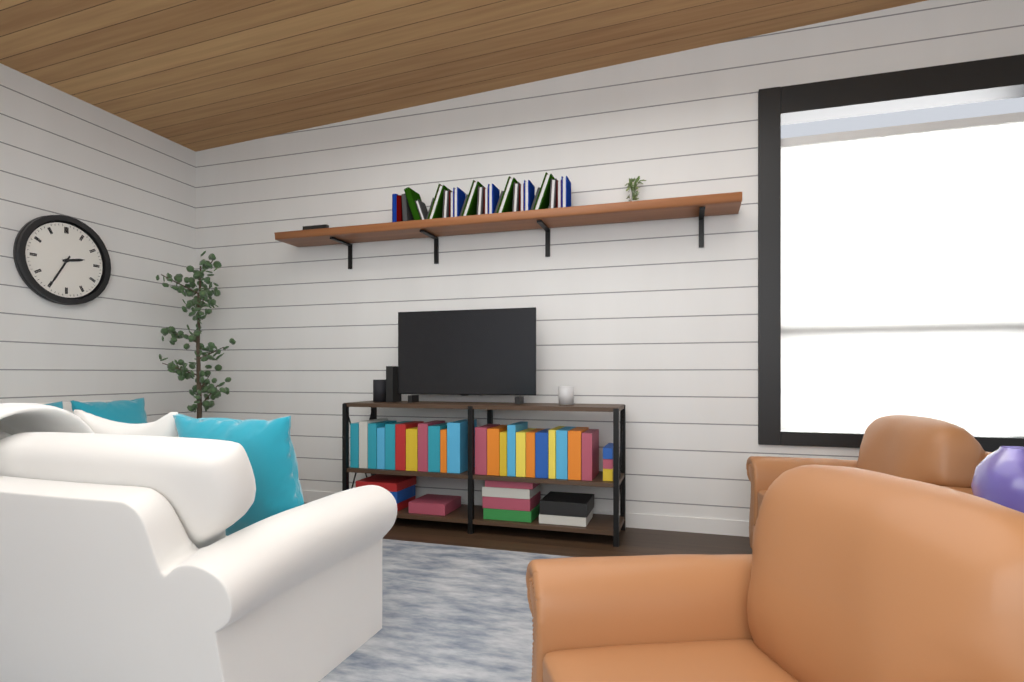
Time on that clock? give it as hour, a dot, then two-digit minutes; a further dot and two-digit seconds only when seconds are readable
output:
2.35
